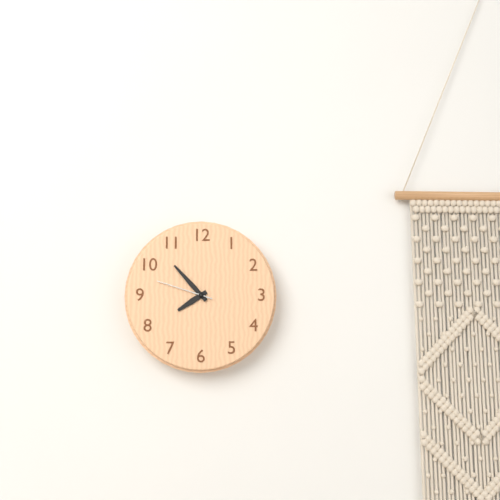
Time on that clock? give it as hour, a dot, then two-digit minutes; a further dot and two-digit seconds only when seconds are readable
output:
7.53.48
